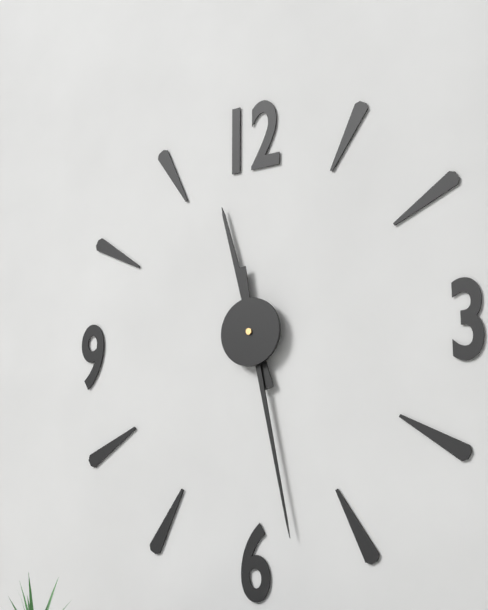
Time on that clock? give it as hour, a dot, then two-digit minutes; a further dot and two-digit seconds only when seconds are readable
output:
11.28
